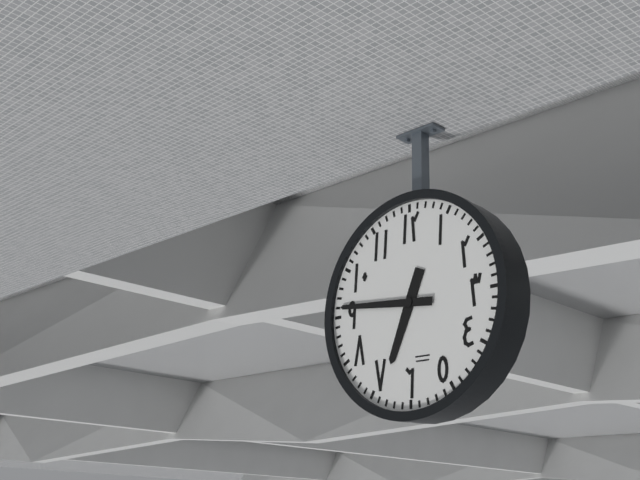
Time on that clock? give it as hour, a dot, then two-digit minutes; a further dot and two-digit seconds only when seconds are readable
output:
6.46
